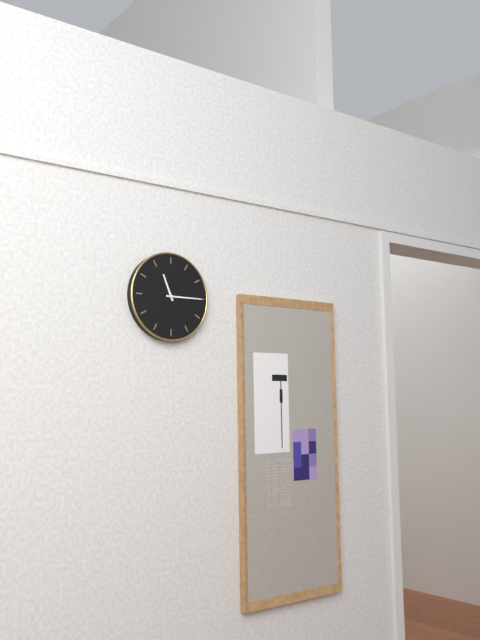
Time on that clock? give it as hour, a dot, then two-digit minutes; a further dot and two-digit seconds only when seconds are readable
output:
11.15
